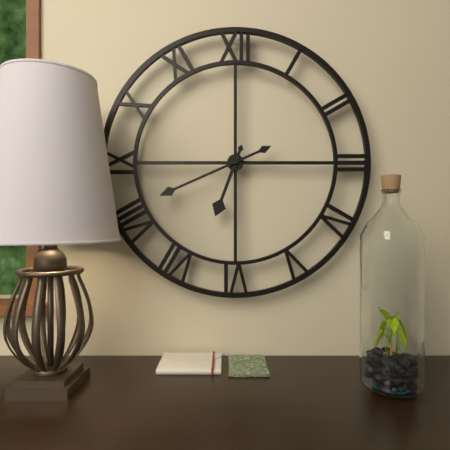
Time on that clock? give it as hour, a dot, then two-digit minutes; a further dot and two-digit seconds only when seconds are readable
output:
6.41
